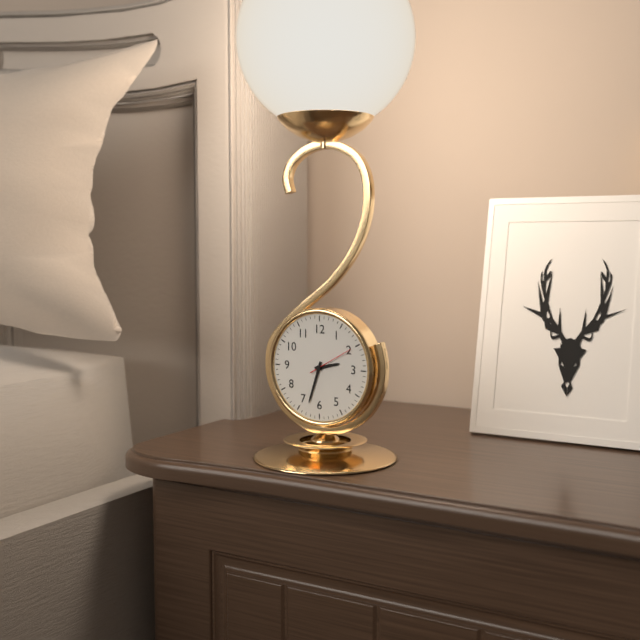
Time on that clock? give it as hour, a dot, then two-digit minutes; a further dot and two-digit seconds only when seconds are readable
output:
2.33
